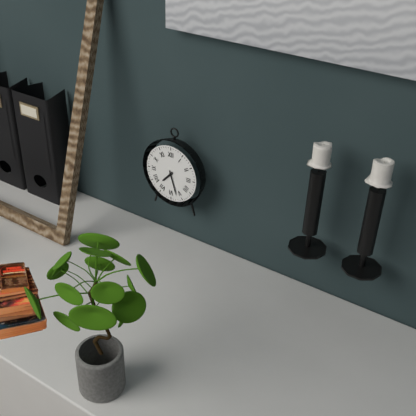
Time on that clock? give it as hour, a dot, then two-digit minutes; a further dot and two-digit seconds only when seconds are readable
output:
7.27
